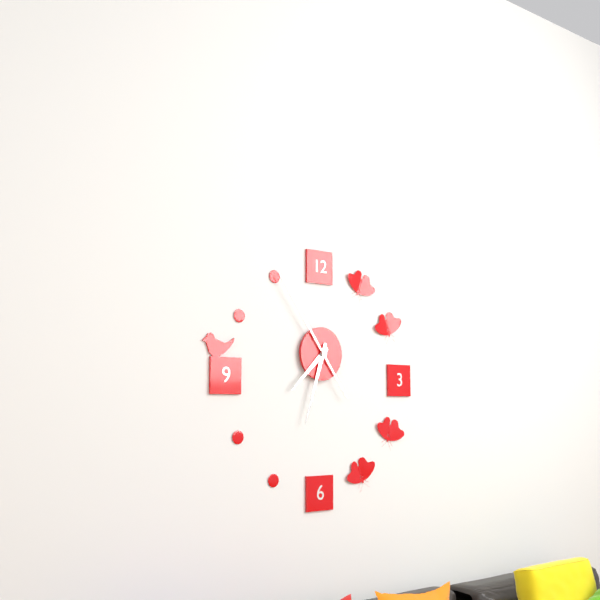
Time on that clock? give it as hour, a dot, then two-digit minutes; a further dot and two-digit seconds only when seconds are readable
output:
7.33.54
